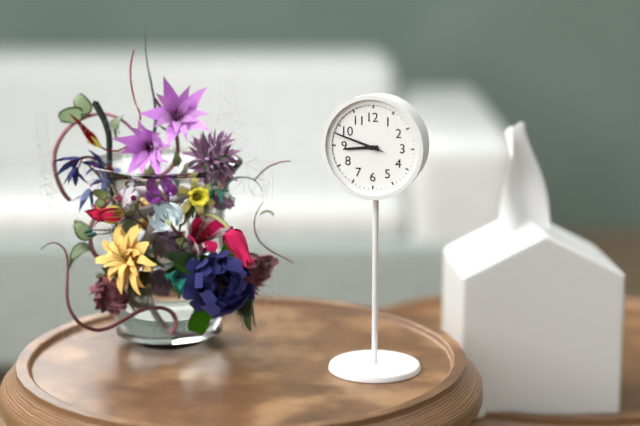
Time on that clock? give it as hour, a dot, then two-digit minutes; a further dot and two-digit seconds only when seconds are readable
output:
8.48
